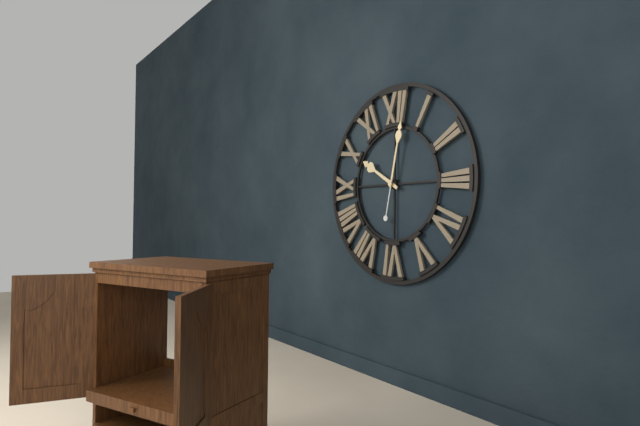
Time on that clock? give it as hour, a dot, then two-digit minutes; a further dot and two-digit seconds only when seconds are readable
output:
10.02
